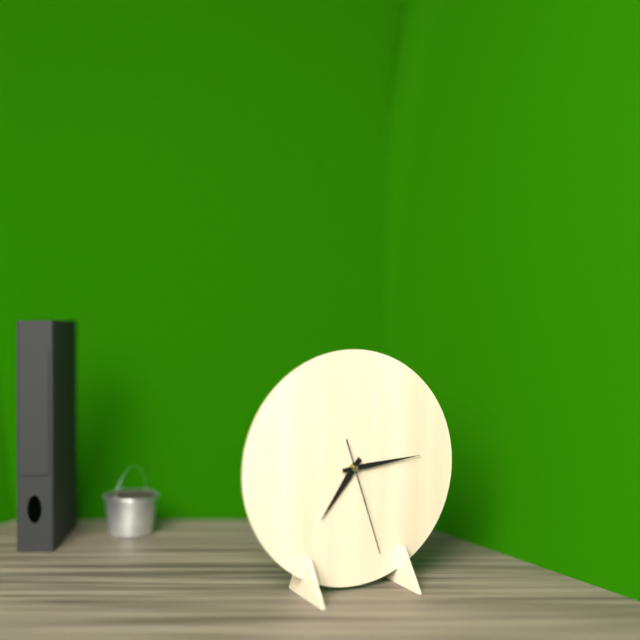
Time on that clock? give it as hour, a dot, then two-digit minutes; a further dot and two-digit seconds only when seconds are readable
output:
7.14.27
